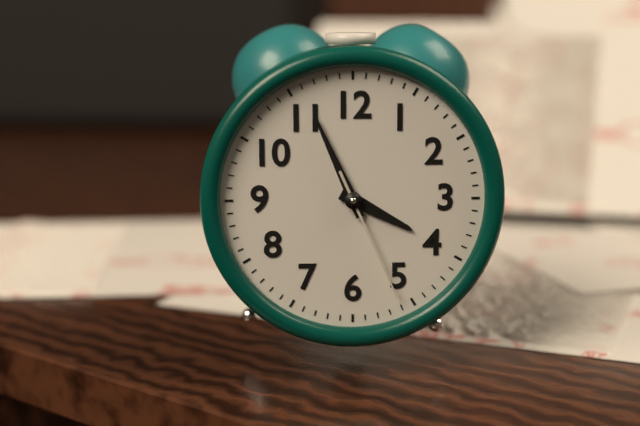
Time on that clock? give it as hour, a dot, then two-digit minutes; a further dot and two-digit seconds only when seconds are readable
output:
3.56.26
